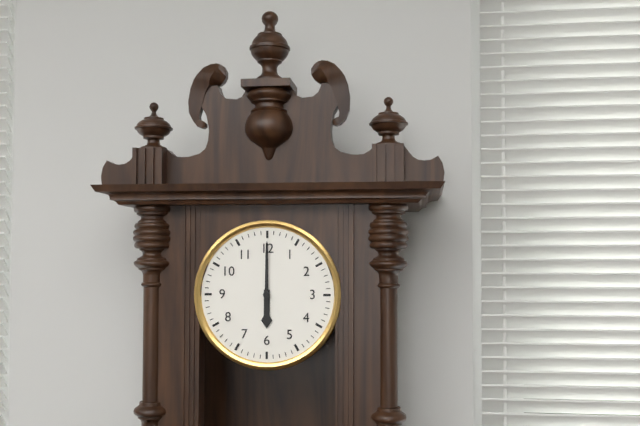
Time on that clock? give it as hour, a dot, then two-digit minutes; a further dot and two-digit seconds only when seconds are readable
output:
6.00
